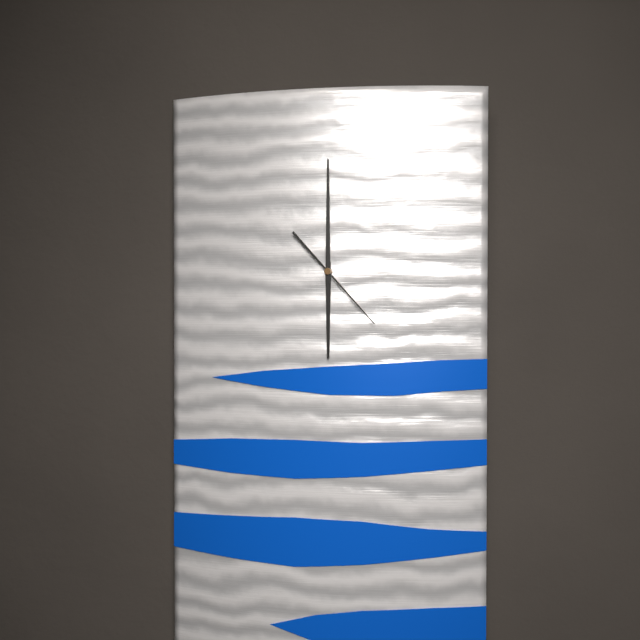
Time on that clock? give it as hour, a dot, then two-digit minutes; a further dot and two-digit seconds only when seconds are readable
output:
6.00.23
